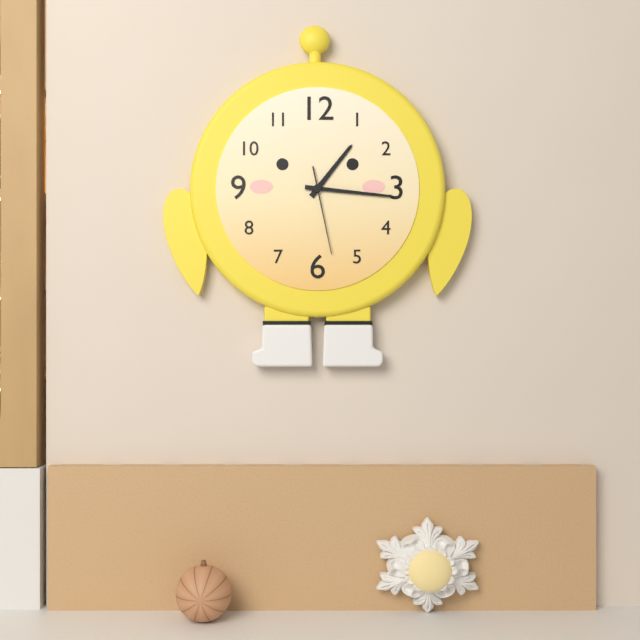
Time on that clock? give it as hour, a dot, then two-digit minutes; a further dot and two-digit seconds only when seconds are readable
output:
1.16.28
